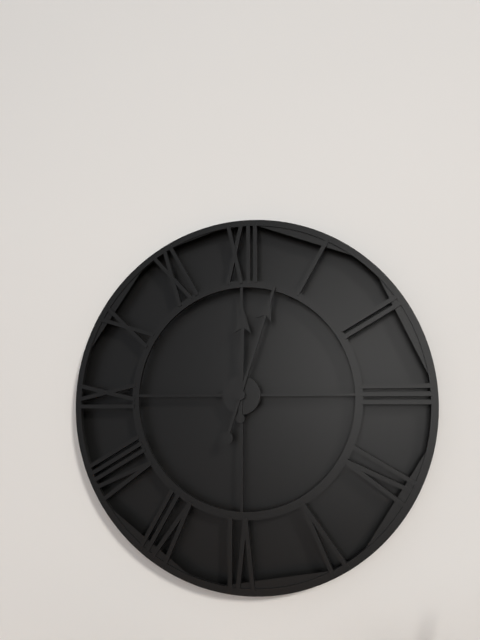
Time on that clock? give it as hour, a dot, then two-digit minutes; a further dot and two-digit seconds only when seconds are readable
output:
12.03
